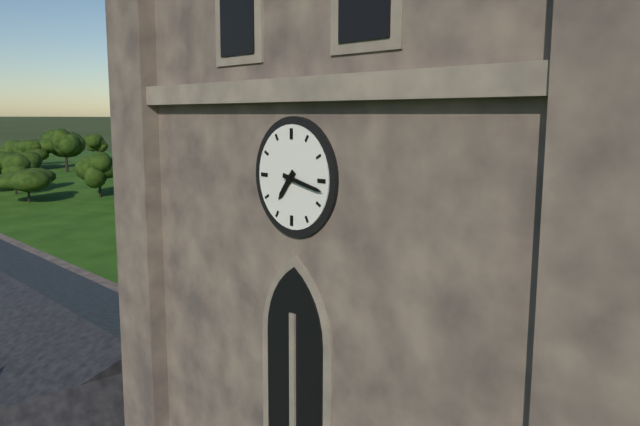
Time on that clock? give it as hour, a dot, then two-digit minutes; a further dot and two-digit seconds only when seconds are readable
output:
7.17
